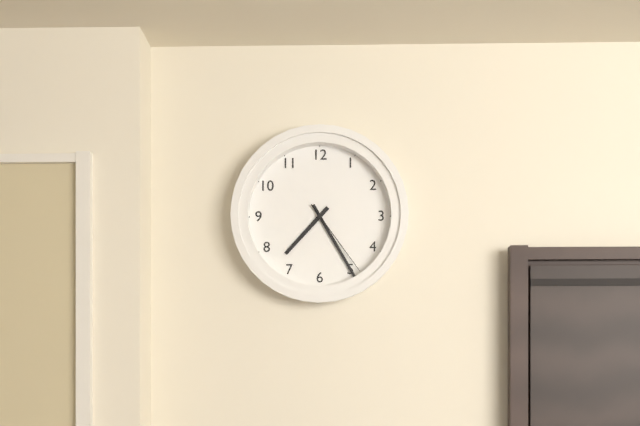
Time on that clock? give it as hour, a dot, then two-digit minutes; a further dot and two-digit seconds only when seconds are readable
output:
7.25.24
